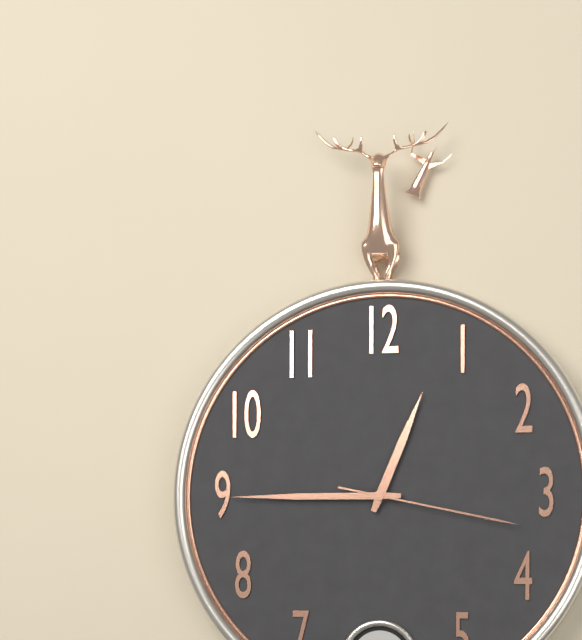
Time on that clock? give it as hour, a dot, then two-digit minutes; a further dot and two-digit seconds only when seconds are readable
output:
12.45.17
